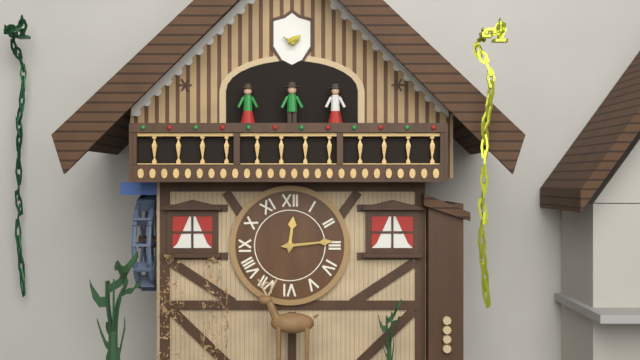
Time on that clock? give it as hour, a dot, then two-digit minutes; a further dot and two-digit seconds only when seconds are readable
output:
12.14
